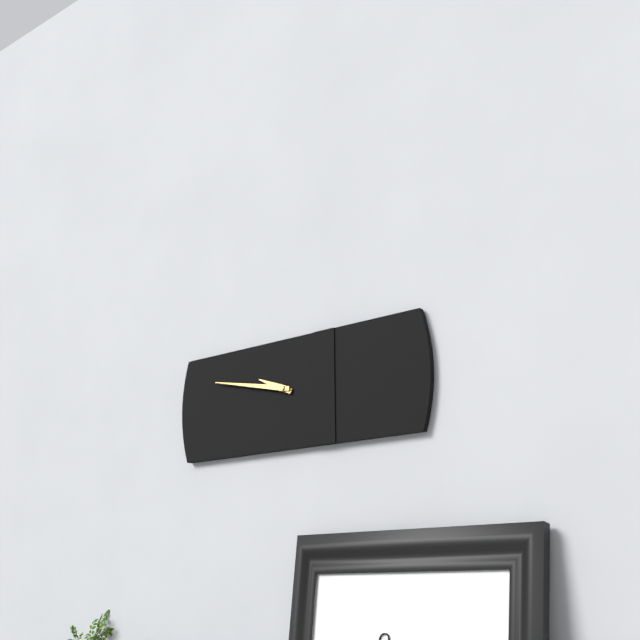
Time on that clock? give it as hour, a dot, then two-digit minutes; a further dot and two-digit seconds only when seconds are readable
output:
9.47
